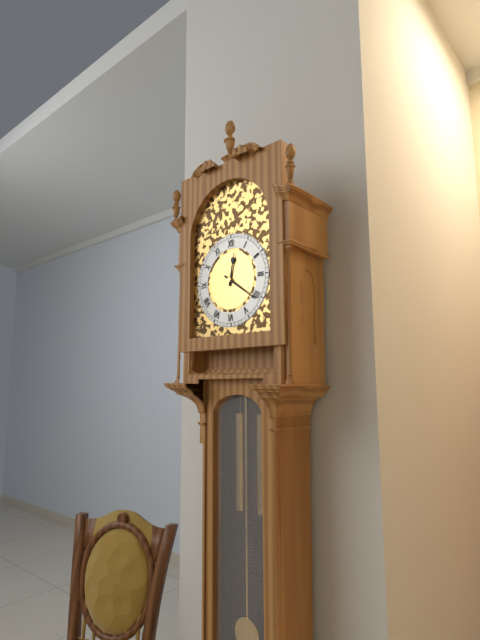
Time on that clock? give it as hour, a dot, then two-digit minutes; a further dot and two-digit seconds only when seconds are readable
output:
12.21
